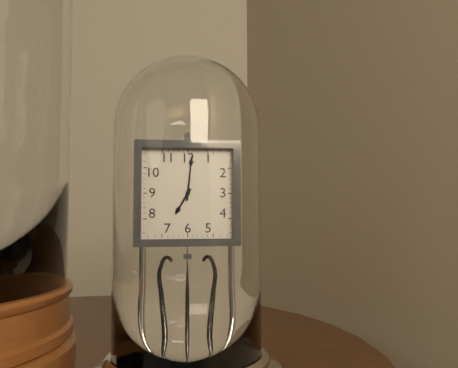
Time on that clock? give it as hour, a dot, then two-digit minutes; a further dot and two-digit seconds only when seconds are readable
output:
7.01
